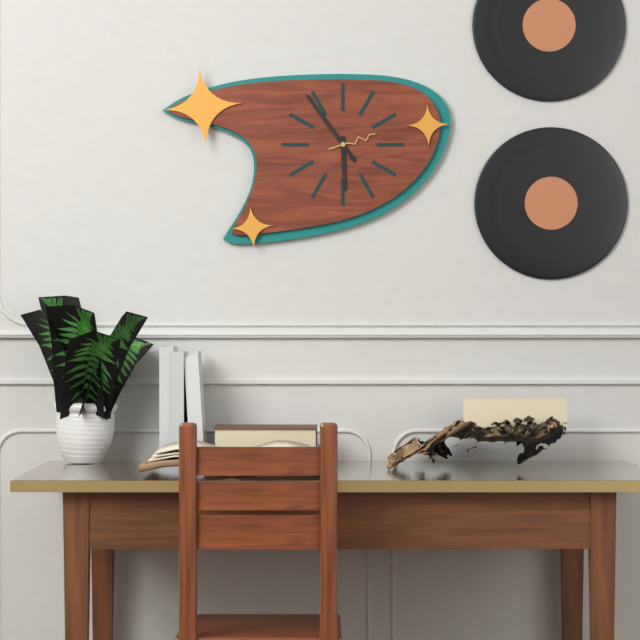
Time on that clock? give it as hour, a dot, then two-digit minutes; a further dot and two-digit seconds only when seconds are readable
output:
5.54
